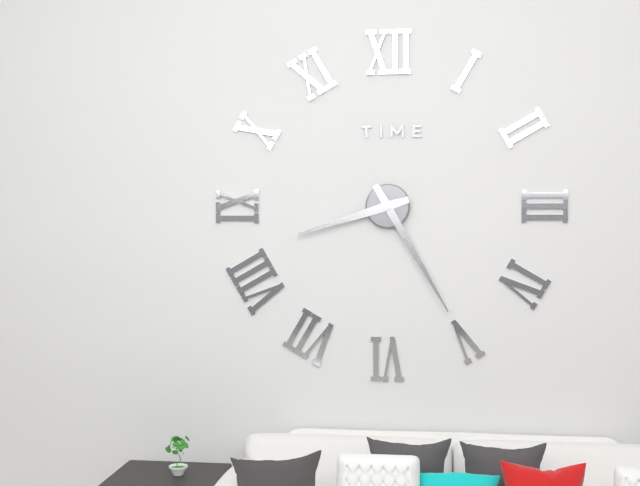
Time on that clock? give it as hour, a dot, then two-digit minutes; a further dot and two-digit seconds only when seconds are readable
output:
8.25
